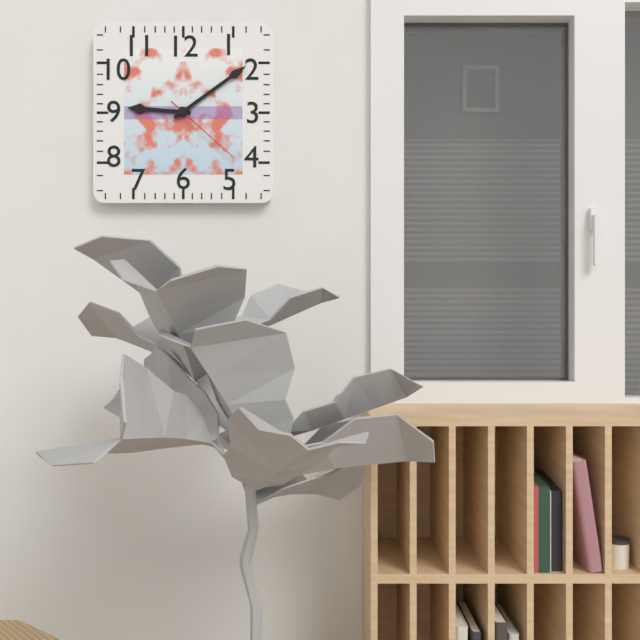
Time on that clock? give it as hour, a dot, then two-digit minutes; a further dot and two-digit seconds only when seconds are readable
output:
9.09.22
